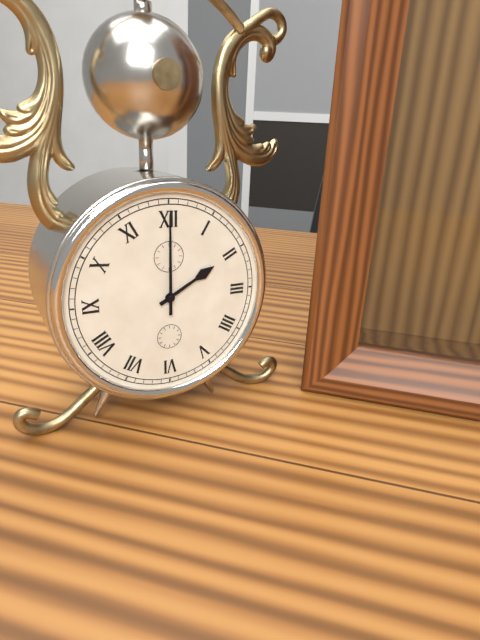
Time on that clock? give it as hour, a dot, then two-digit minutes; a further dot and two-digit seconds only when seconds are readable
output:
2.00
